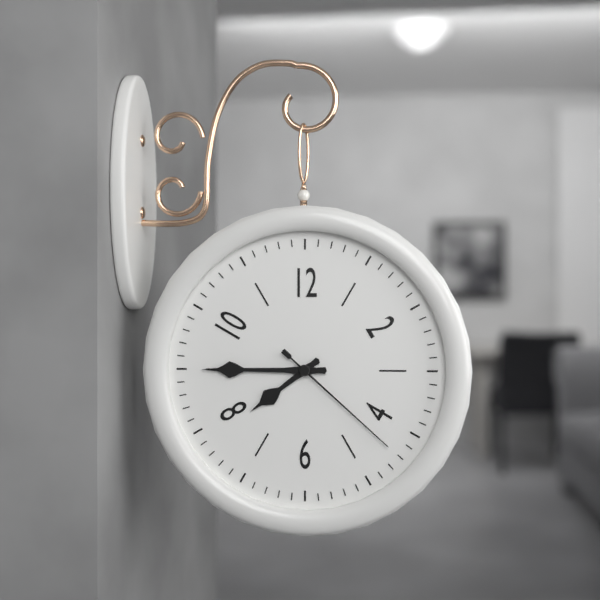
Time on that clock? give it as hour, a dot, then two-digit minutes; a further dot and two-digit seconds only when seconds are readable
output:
7.45.22
